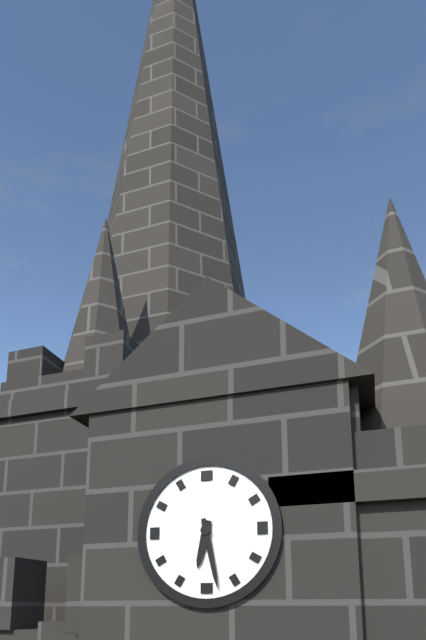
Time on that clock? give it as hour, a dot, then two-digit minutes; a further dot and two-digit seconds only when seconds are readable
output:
6.28
